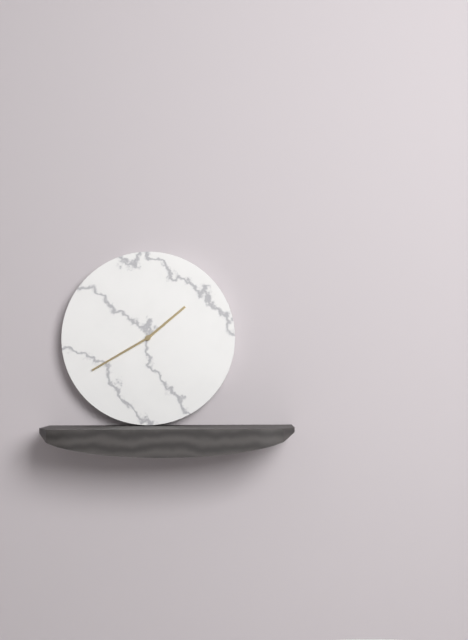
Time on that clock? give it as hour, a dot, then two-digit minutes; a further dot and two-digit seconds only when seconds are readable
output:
1.40
